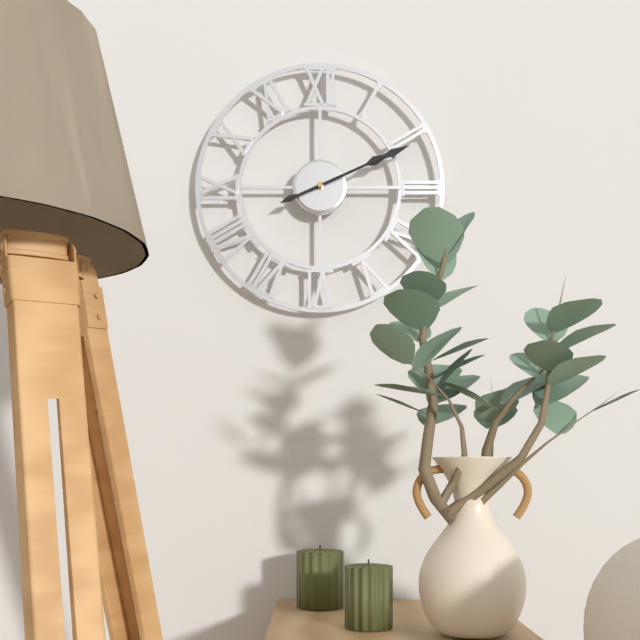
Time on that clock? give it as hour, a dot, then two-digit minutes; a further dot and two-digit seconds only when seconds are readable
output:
2.11
